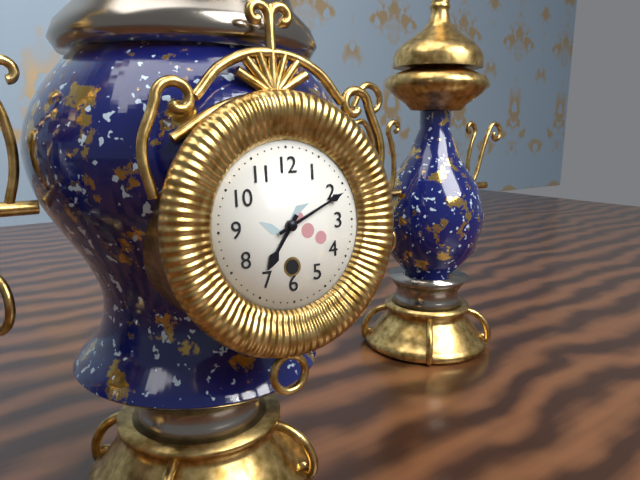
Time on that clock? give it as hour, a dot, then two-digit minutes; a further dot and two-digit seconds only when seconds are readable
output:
7.11
